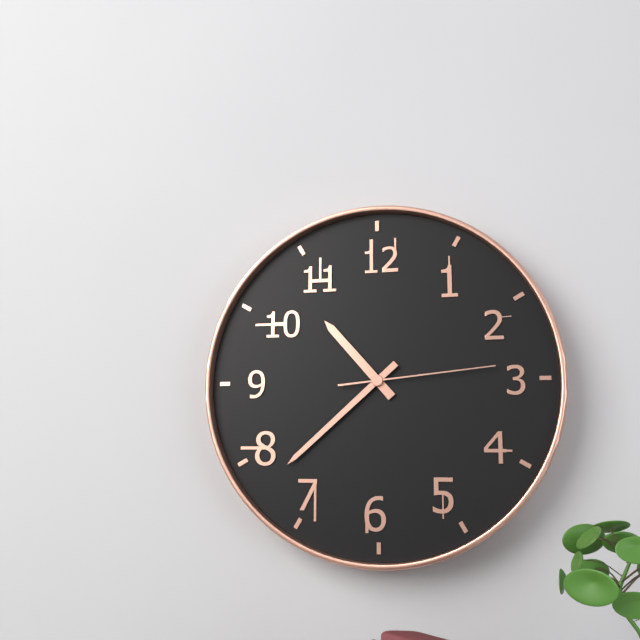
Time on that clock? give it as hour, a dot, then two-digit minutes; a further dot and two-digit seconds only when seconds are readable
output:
10.38.14
